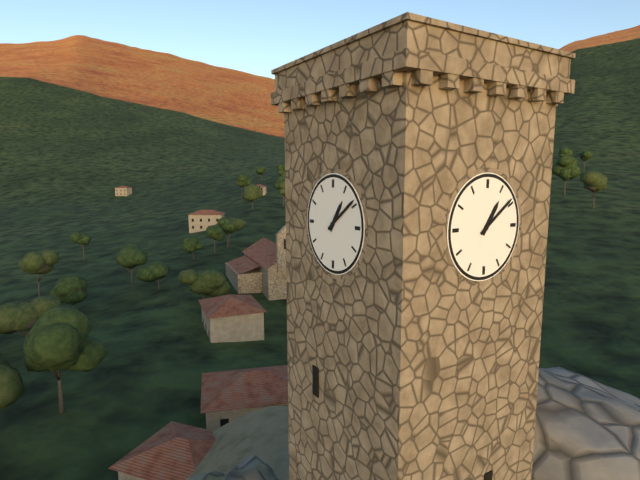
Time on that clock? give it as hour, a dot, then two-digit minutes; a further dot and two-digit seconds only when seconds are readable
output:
1.09
